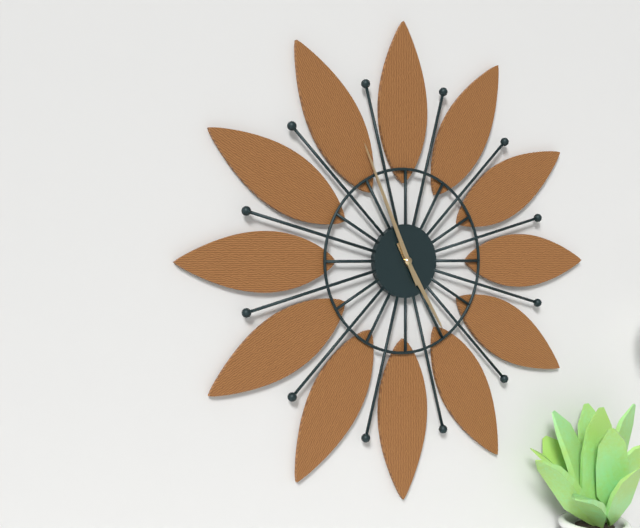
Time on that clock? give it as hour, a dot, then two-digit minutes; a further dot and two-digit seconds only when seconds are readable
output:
4.56
